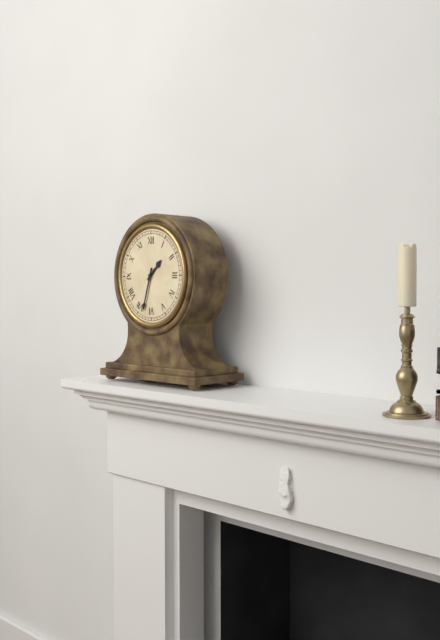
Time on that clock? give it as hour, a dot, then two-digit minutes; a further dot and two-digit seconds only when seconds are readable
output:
1.33
